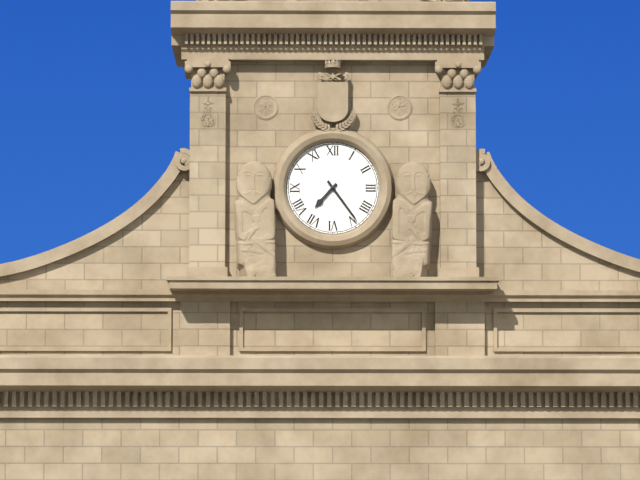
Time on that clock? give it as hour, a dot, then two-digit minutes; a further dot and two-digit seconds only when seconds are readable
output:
7.24
